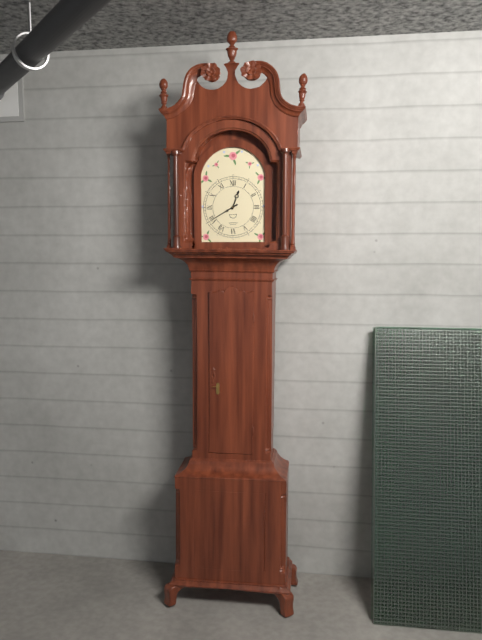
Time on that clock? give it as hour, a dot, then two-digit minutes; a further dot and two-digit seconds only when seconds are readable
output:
12.40
